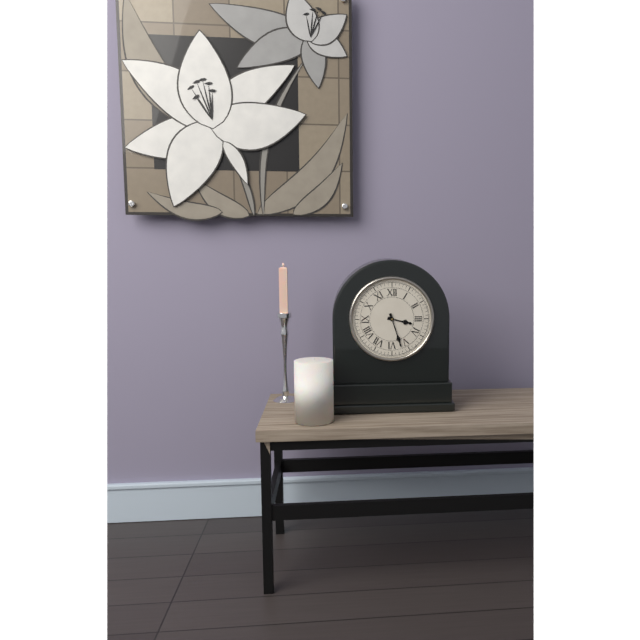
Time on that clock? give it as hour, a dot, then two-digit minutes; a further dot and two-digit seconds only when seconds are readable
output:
3.27
